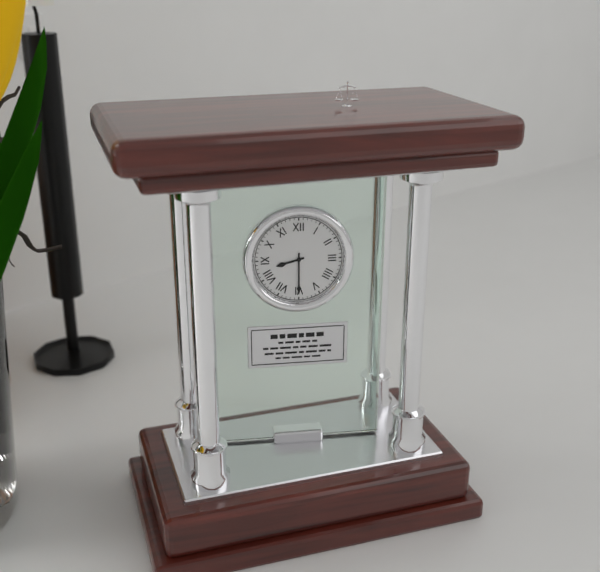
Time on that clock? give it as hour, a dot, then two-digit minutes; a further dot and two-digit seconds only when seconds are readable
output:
8.30
